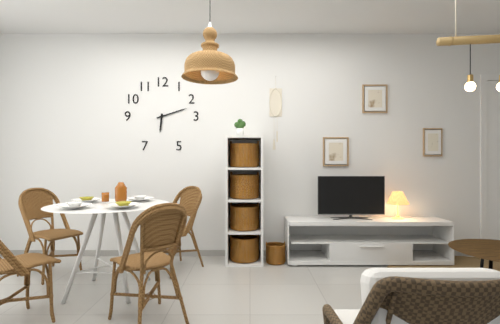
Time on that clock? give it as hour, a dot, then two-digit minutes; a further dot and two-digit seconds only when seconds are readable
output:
6.12
